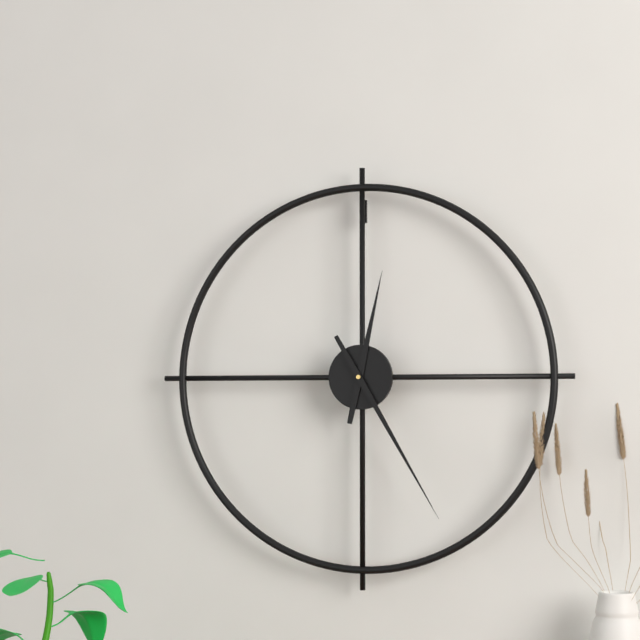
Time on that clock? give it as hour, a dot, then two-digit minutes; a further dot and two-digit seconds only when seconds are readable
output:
12.25
